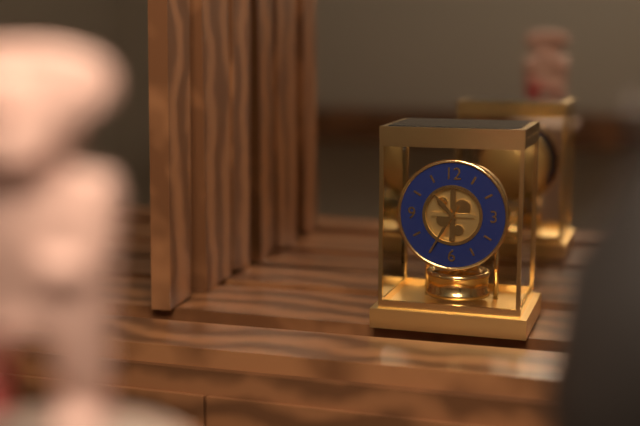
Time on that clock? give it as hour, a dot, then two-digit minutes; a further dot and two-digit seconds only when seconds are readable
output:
10.35
